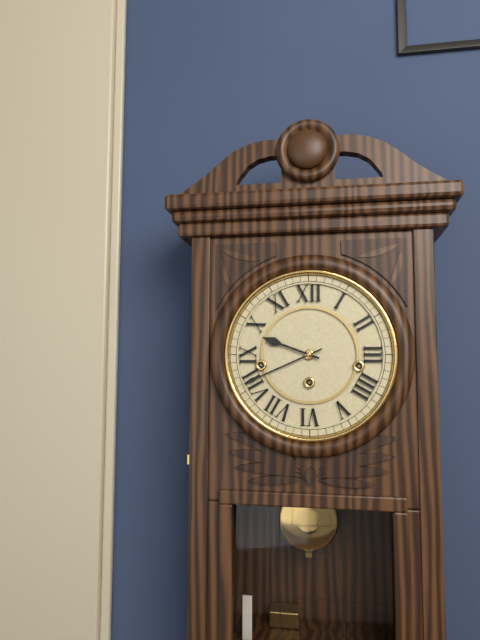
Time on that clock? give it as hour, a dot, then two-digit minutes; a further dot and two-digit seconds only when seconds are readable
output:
9.41
